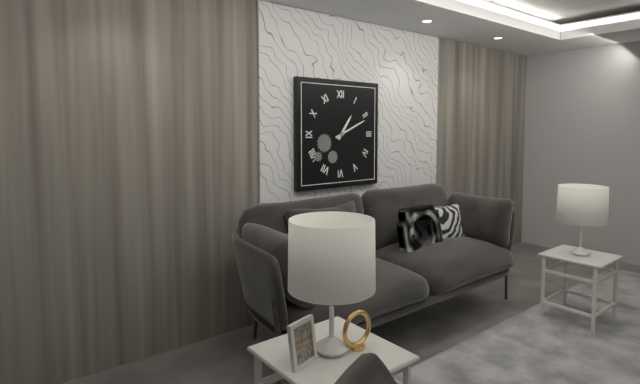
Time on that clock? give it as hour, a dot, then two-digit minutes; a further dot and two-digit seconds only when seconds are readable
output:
1.11
